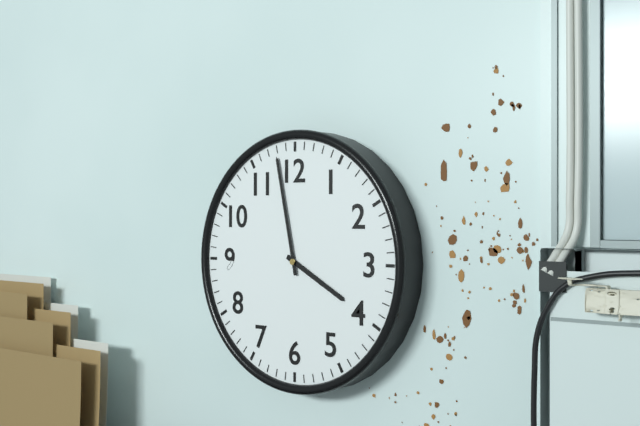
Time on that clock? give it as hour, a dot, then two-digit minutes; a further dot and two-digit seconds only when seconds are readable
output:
3.58
